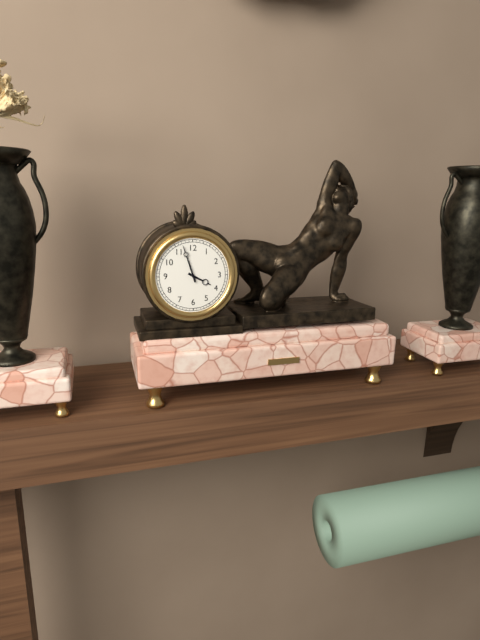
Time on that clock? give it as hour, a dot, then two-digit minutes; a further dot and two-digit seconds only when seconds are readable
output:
3.57
